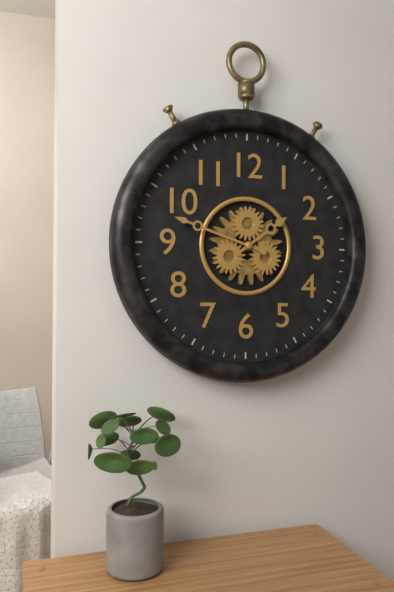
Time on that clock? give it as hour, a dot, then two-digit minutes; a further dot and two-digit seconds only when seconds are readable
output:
1.48
